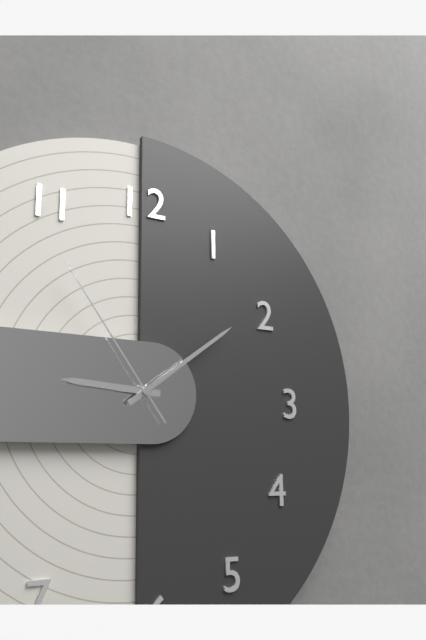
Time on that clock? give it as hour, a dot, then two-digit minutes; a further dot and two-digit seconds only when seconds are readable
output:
9.09.54
